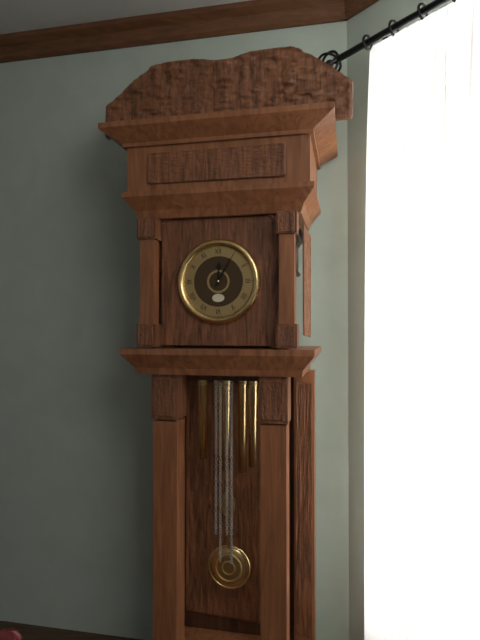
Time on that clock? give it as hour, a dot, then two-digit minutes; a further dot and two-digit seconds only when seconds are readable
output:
12.05
